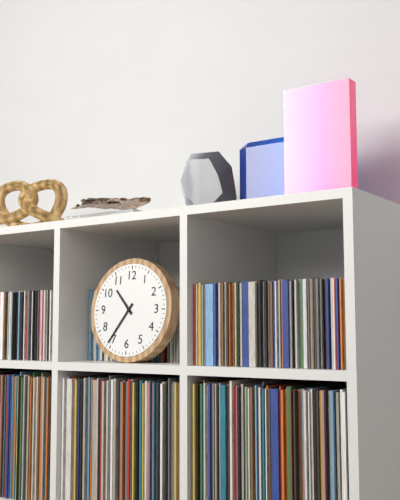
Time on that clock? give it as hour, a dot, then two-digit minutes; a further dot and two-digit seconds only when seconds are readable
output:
10.36
